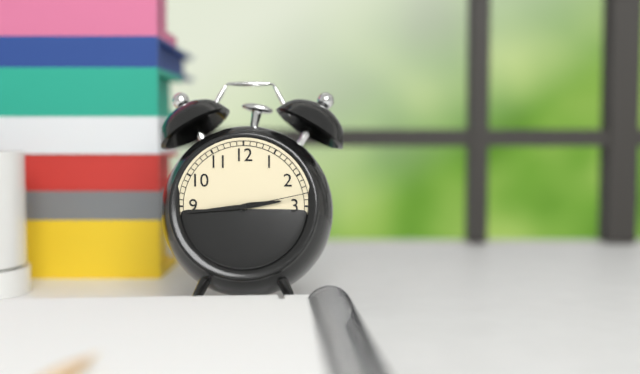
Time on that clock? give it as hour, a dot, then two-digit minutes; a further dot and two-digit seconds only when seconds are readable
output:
2.44.13
